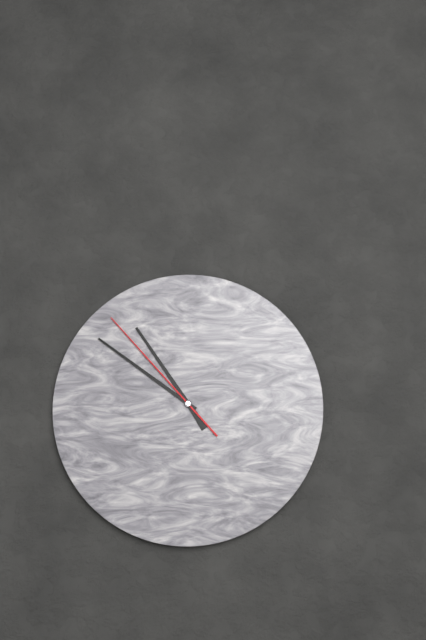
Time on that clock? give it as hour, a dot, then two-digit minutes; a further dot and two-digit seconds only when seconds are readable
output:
10.51.53
